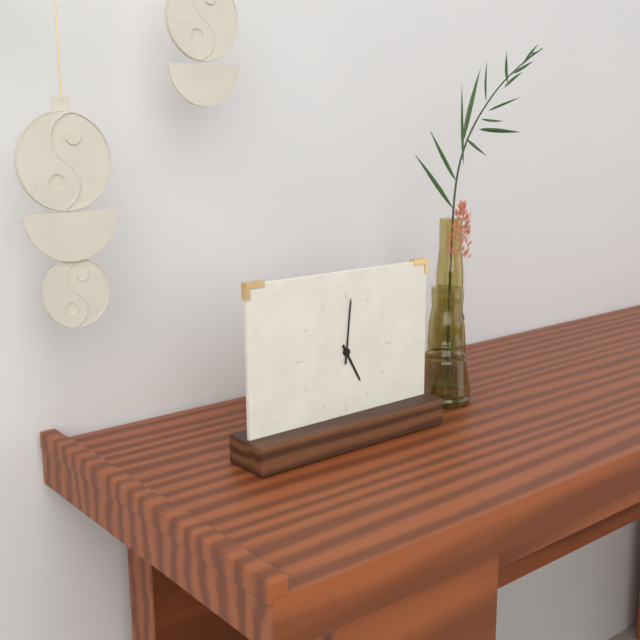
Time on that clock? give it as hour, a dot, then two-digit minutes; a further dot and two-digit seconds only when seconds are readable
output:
5.01
